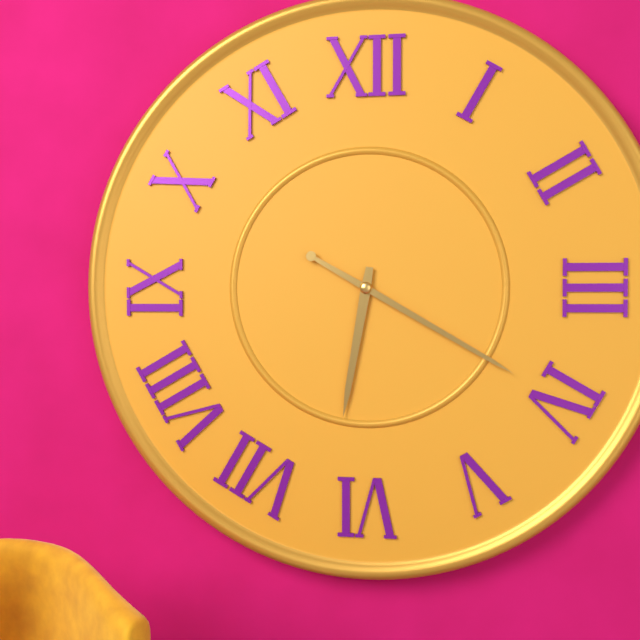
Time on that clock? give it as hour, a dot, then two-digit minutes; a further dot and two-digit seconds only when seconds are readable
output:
6.20
